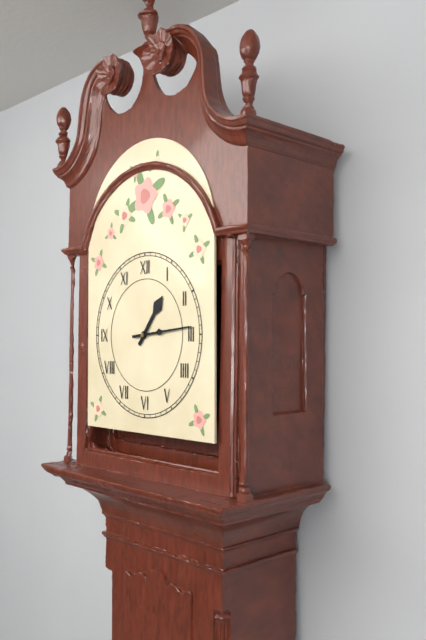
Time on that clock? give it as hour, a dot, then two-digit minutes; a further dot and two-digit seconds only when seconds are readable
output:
1.14
